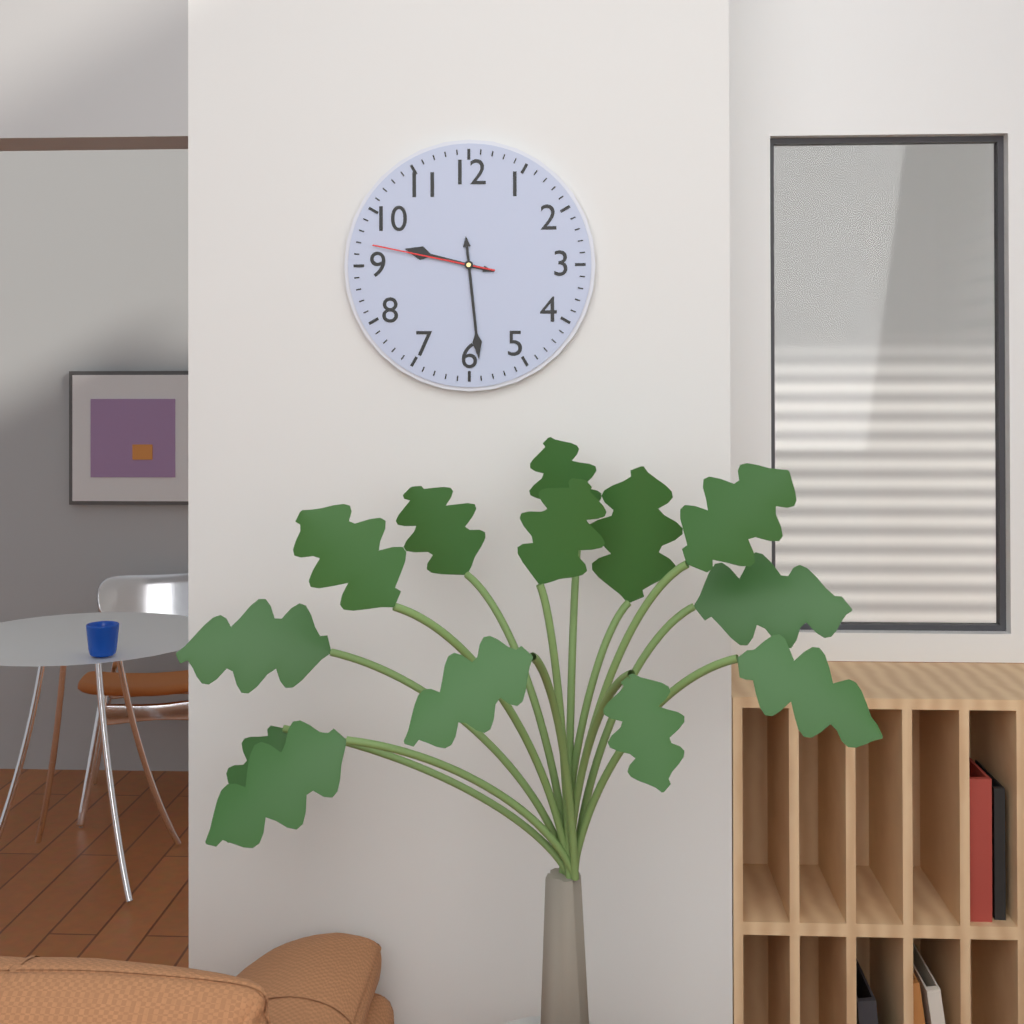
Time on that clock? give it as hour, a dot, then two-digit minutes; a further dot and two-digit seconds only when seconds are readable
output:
9.29.47
